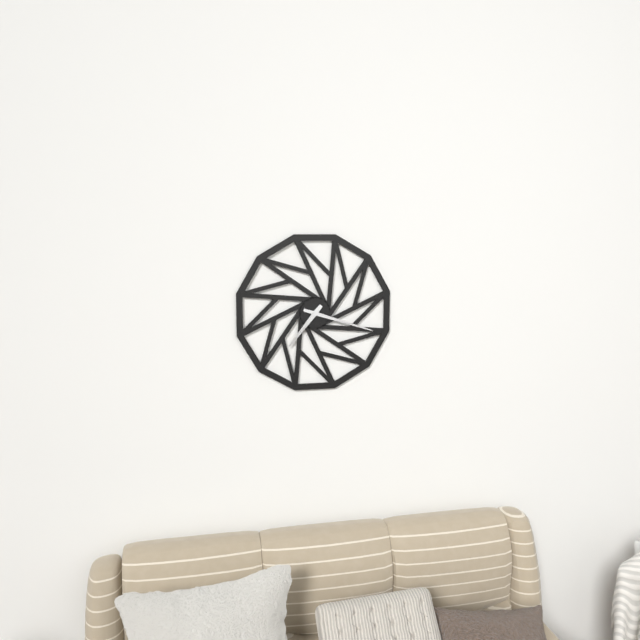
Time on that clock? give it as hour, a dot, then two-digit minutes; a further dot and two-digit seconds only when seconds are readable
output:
7.18
